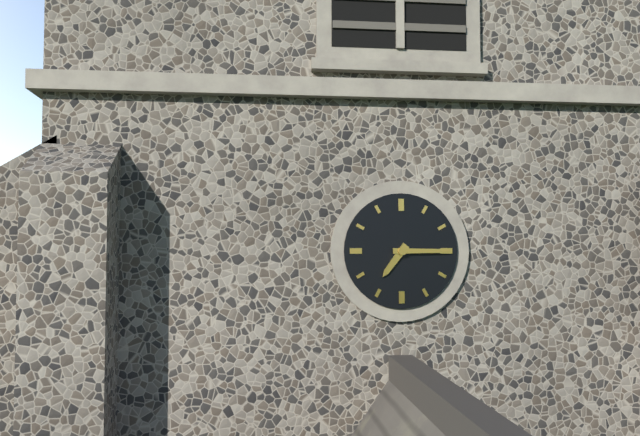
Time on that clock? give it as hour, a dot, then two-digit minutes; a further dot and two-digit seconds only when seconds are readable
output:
7.15
